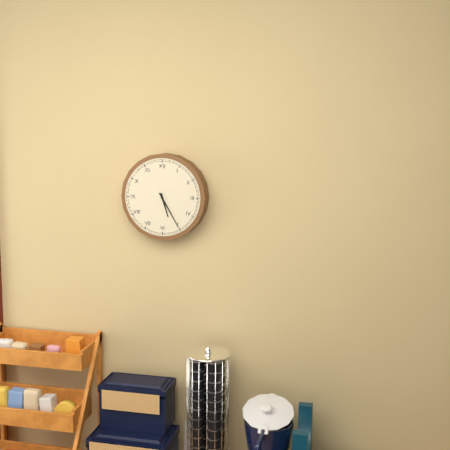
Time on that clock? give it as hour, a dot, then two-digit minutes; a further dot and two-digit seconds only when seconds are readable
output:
5.25
